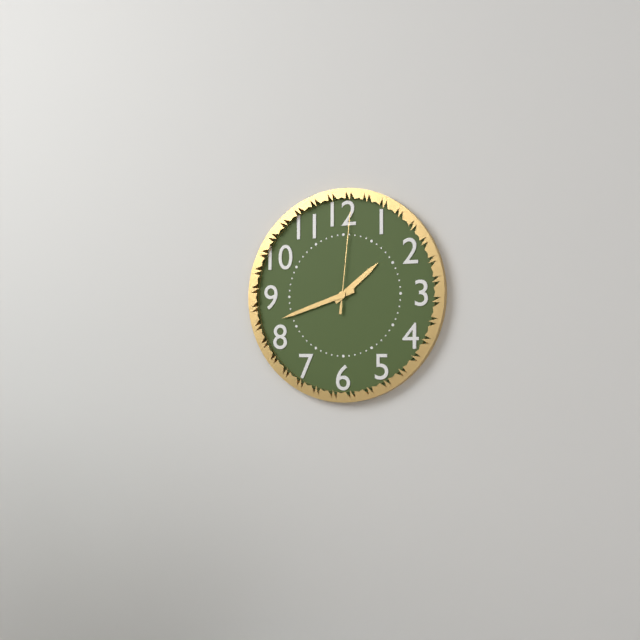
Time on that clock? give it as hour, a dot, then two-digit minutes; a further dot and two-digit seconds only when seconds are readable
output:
1.42.01
